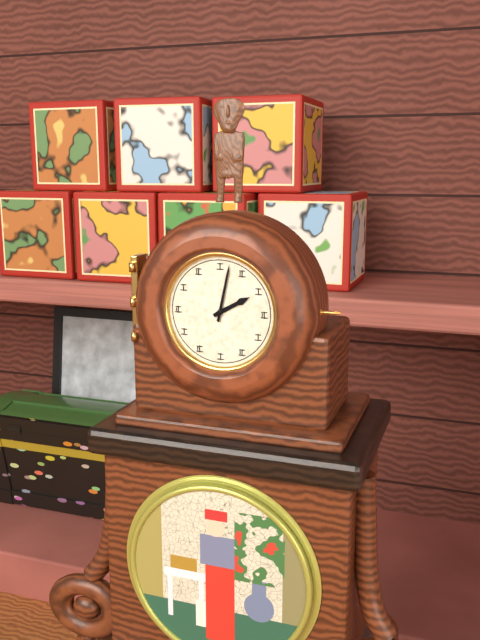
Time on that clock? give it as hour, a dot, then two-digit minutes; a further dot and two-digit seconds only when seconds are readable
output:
2.02
